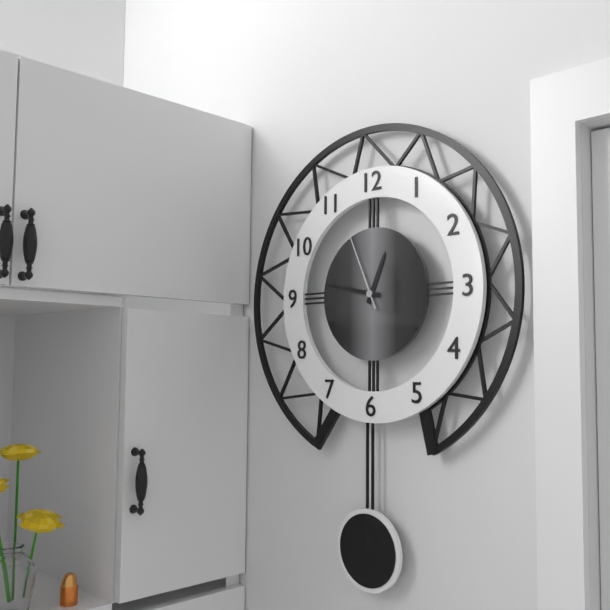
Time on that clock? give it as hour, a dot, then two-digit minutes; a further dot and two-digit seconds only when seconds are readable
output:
12.47.56
